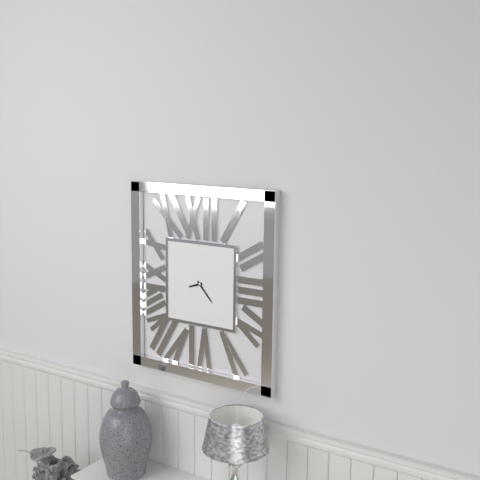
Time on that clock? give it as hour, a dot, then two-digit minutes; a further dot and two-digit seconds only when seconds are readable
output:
8.23
